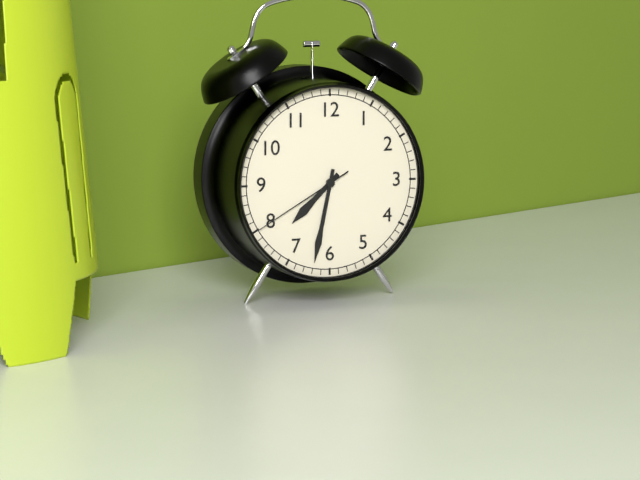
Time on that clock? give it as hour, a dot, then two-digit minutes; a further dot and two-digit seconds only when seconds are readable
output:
7.32.40
